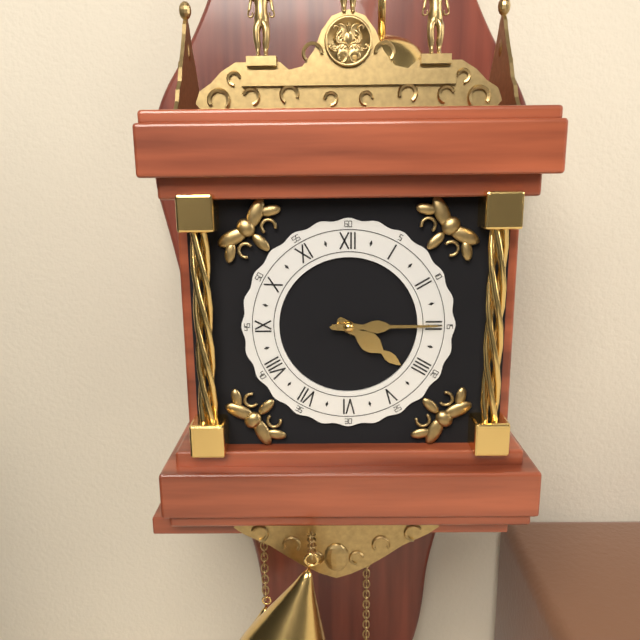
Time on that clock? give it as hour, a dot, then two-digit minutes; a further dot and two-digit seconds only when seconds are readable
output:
4.15
